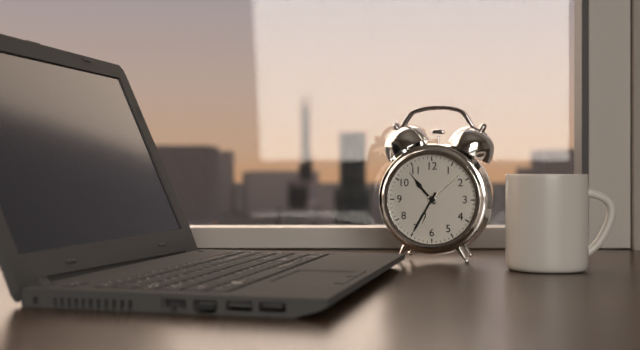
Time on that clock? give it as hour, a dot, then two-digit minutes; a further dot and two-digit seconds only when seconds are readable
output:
10.35
